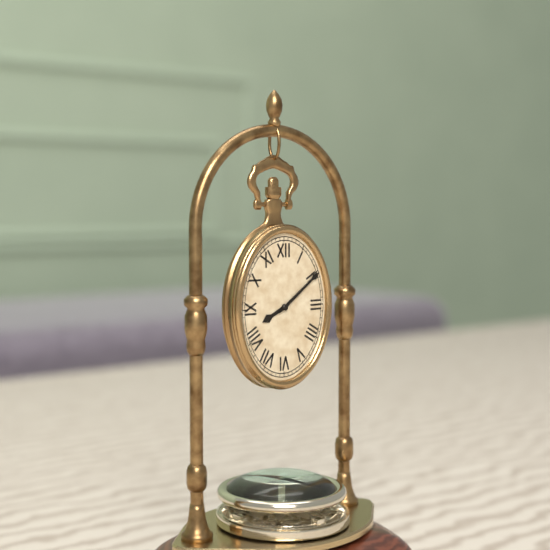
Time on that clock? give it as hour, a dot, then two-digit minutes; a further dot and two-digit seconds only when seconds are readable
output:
8.09
